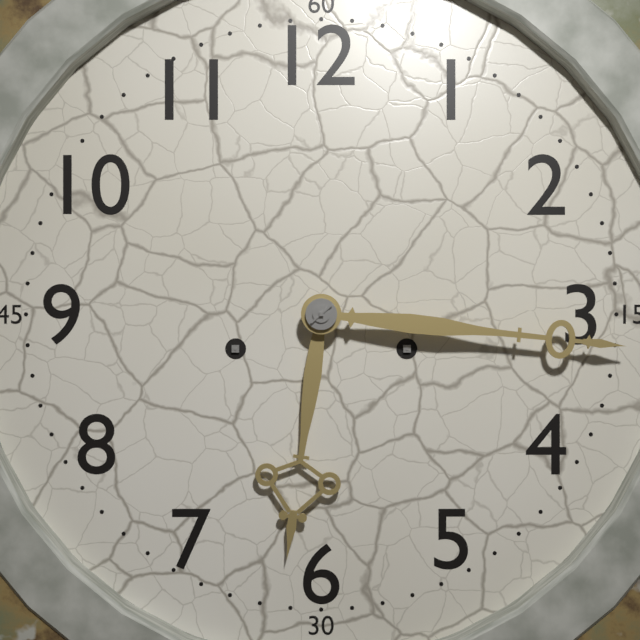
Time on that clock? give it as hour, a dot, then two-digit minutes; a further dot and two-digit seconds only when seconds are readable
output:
6.16
